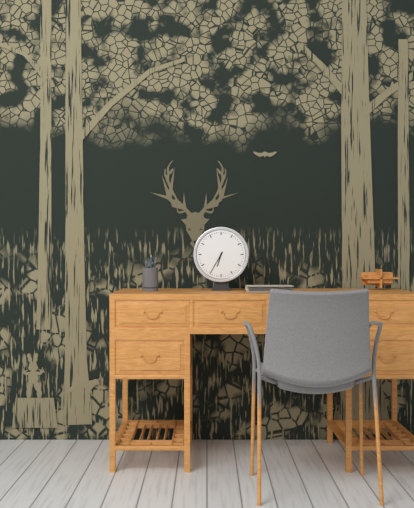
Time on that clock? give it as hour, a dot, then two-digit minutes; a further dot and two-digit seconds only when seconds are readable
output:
6.35
